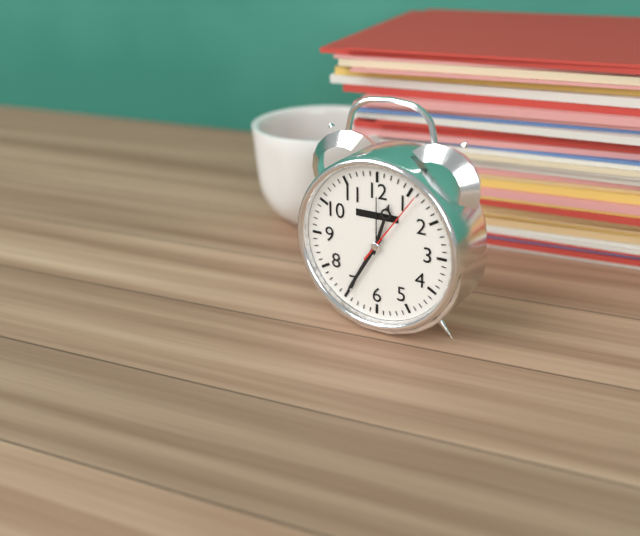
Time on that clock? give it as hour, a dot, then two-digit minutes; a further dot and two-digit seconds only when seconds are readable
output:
12.35.06
